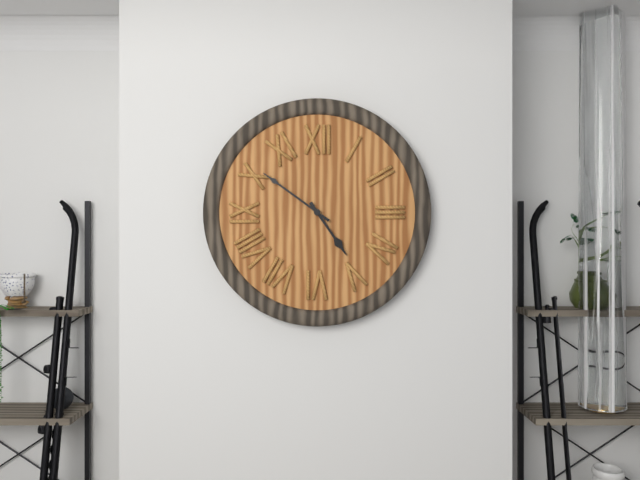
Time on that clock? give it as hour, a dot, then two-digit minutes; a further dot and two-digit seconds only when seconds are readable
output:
4.51
